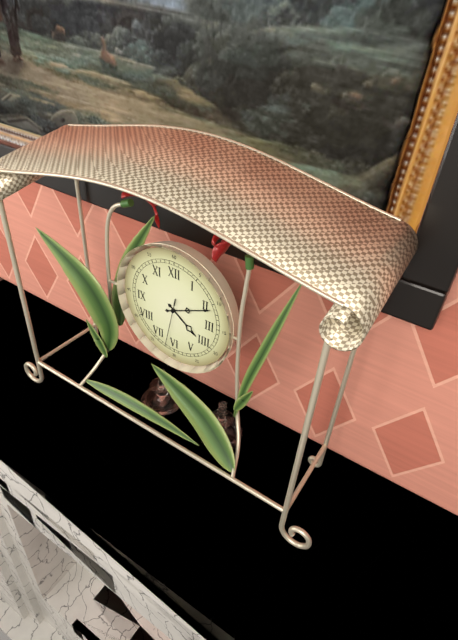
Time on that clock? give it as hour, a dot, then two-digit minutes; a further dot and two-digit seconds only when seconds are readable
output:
4.11
